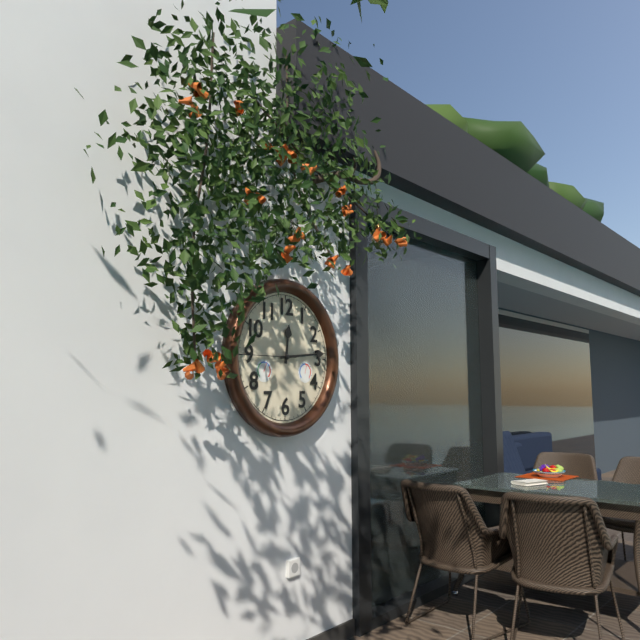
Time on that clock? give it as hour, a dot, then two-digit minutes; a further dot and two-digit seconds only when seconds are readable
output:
12.14.45
